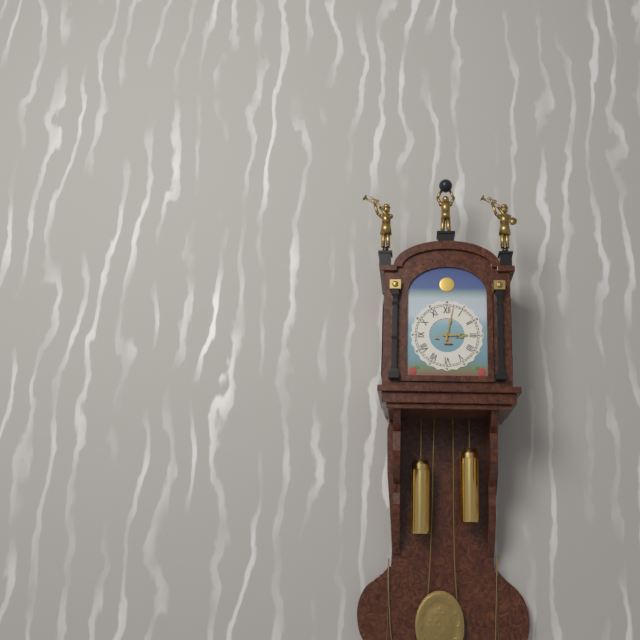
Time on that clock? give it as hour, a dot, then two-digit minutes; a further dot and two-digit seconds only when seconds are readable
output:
3.02
